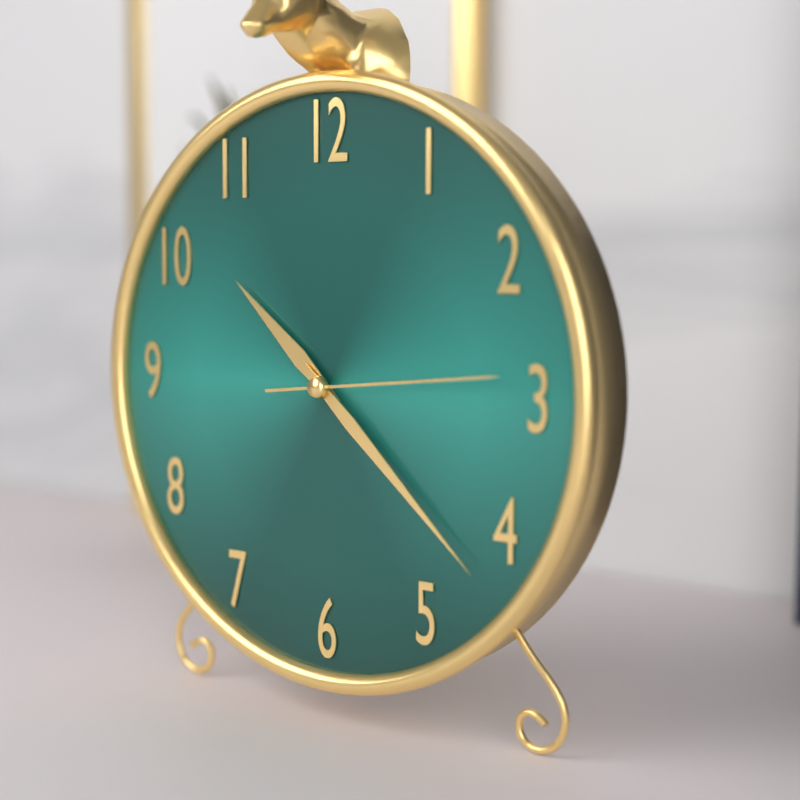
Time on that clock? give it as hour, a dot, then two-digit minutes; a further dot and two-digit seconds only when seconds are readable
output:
10.22.14
